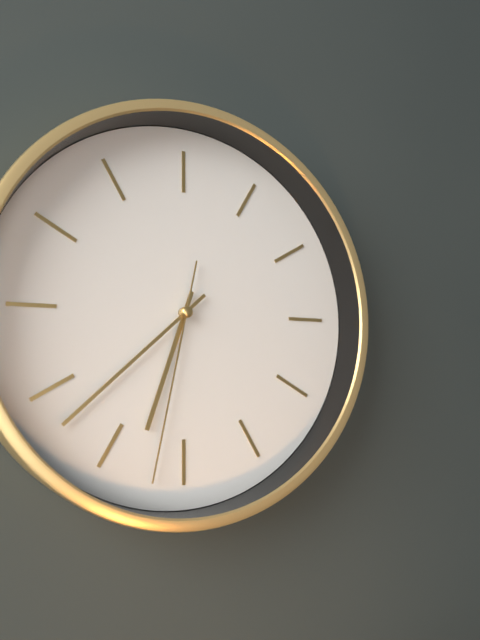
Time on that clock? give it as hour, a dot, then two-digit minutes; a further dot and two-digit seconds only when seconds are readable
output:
6.38.32
